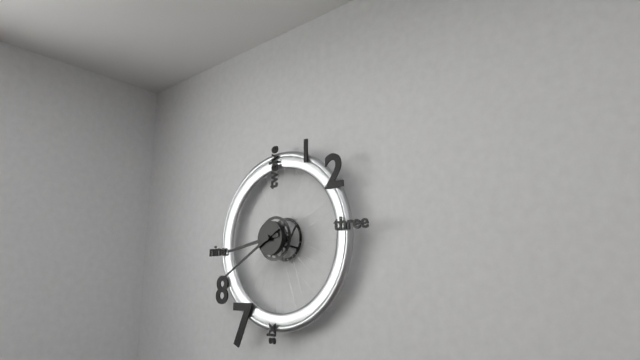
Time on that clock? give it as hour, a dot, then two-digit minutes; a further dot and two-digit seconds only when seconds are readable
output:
8.40
